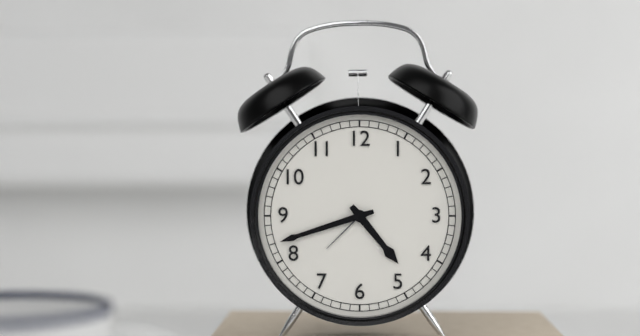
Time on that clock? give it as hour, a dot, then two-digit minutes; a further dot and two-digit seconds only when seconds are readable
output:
4.42
